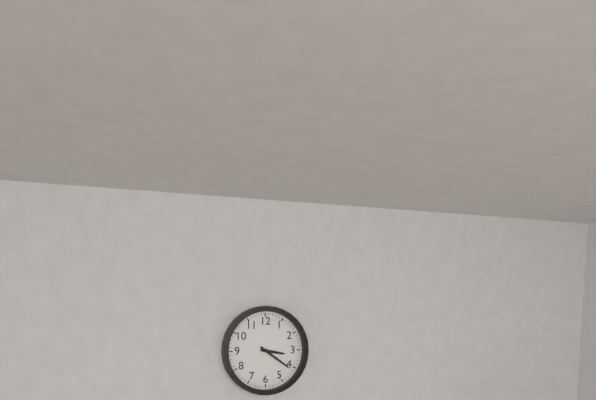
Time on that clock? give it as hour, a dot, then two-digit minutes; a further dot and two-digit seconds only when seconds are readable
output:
3.21
